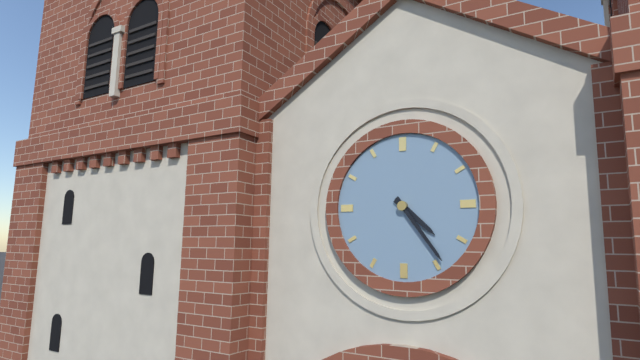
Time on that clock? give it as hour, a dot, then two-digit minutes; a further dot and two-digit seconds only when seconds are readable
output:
4.24
